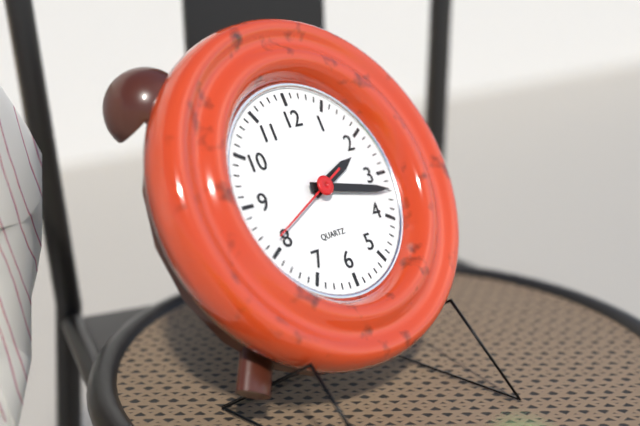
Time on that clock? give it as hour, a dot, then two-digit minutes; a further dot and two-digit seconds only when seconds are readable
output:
2.17.41
